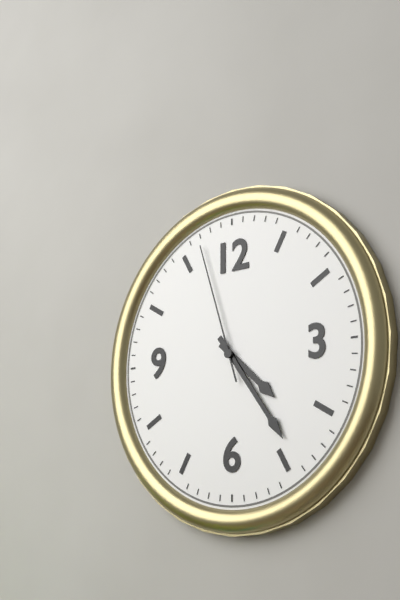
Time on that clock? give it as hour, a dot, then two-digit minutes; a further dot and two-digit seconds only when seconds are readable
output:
4.24.57
